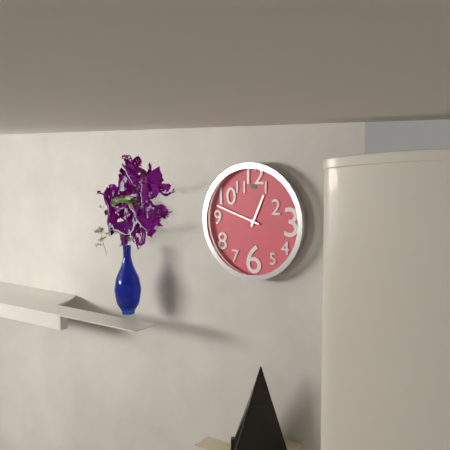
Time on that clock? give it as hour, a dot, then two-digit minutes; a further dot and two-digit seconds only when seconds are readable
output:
12.48
